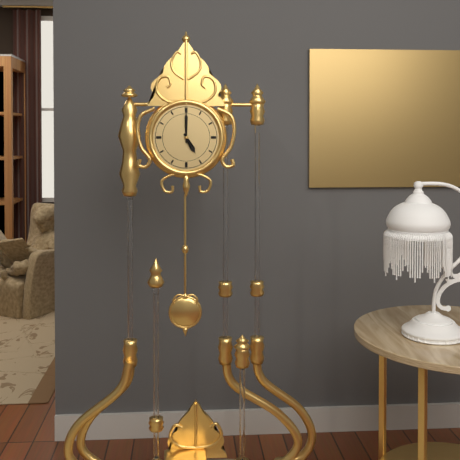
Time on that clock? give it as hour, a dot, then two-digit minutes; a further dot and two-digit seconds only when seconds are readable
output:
5.00
